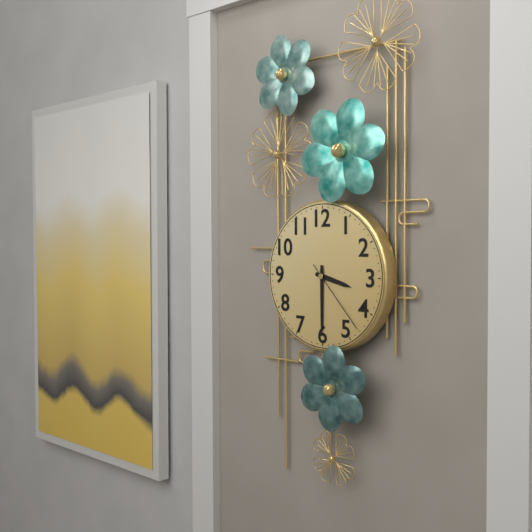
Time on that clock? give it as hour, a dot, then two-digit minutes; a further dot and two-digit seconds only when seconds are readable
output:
3.30.23
